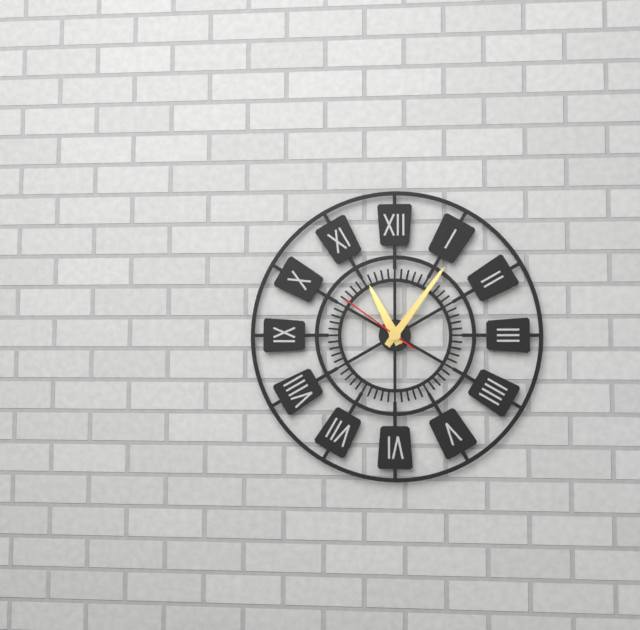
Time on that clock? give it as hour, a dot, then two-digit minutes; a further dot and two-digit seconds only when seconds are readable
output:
11.06.51
